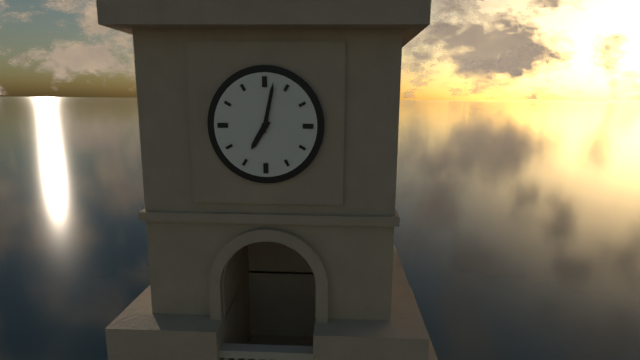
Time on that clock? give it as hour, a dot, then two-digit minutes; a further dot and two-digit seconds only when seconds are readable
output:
7.02
